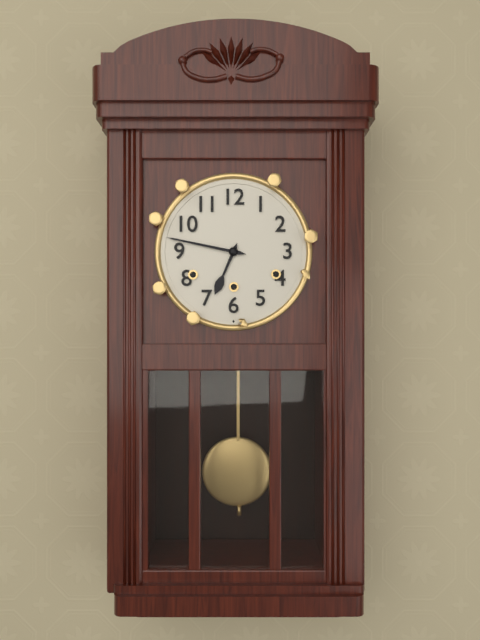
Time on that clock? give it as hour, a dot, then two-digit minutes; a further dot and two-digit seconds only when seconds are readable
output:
6.47
